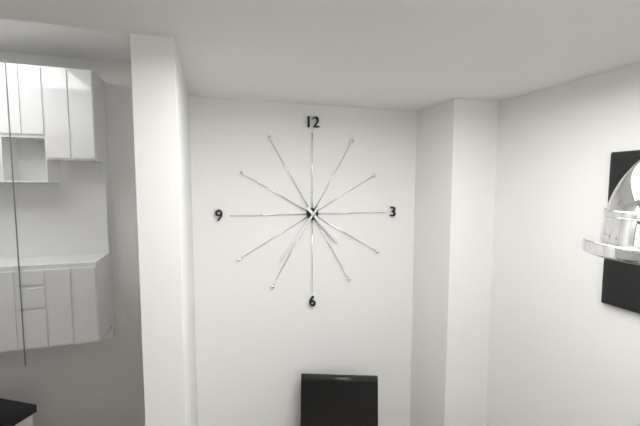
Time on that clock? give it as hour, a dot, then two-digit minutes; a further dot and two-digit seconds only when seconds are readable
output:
4.36
